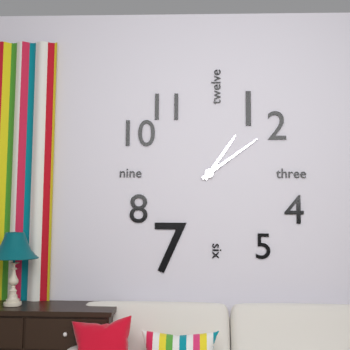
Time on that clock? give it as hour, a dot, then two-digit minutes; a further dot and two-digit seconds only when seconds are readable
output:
1.09
